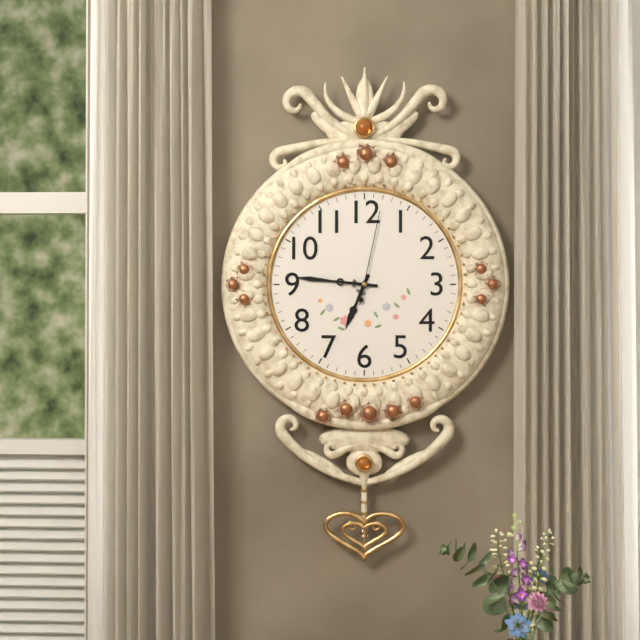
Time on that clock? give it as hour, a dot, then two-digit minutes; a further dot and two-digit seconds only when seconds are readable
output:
6.46.02
